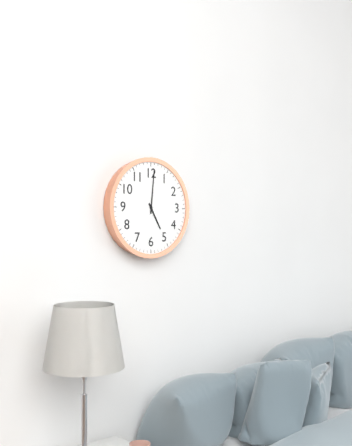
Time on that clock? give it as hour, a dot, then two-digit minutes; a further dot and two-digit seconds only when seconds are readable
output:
5.01
